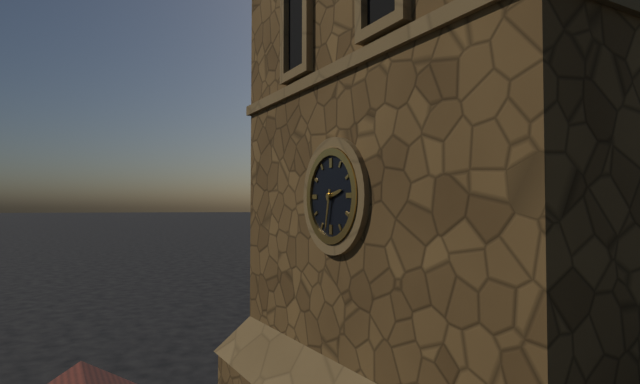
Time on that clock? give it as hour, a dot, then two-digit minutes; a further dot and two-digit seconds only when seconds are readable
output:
2.32
